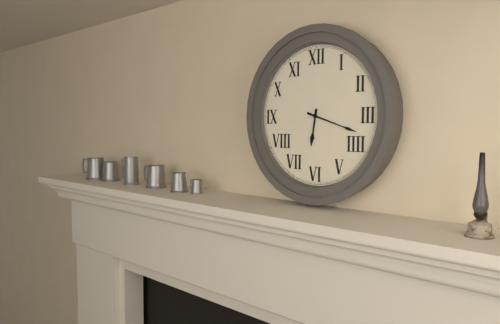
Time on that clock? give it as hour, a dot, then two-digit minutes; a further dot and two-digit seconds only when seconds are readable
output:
6.18
